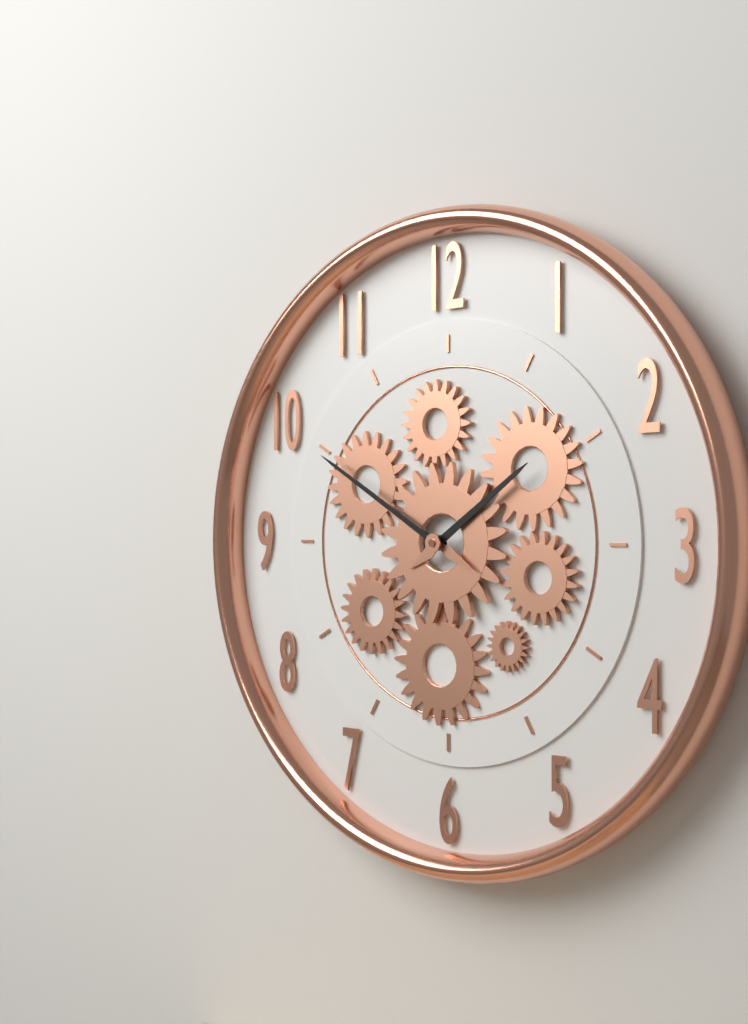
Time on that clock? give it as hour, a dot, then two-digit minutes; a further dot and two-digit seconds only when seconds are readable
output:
1.50
